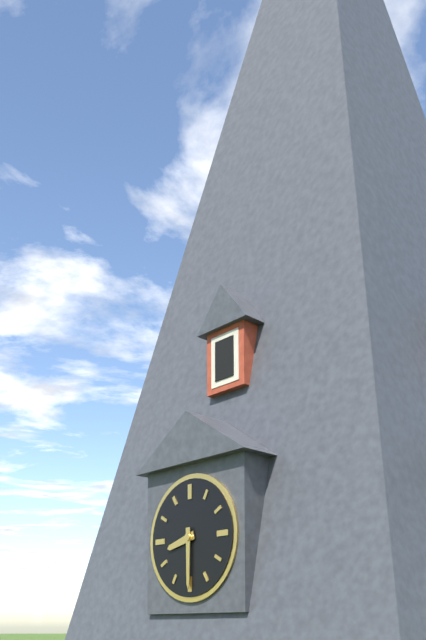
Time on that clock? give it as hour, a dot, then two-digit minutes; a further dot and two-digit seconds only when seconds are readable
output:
8.30
